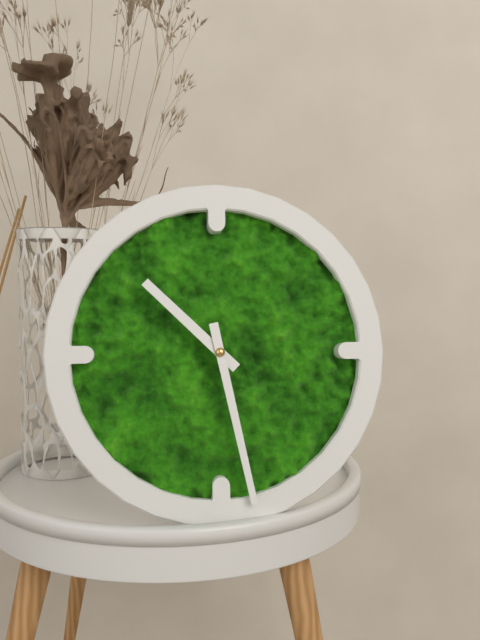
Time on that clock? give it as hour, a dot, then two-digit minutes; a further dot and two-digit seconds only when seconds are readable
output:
10.28
